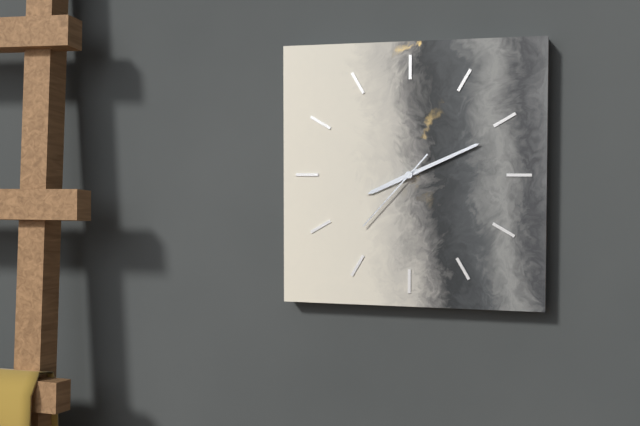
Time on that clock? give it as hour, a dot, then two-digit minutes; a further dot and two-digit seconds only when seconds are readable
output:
8.11.37
